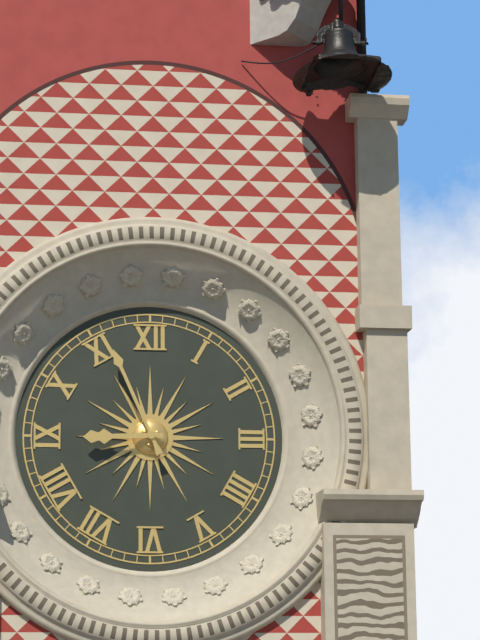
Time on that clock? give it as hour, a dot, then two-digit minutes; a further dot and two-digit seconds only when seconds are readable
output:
8.56
